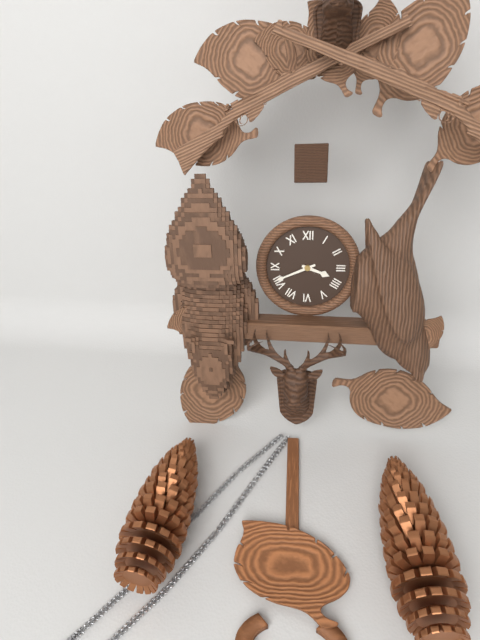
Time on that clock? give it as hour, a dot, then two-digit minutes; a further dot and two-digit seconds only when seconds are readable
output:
3.41
